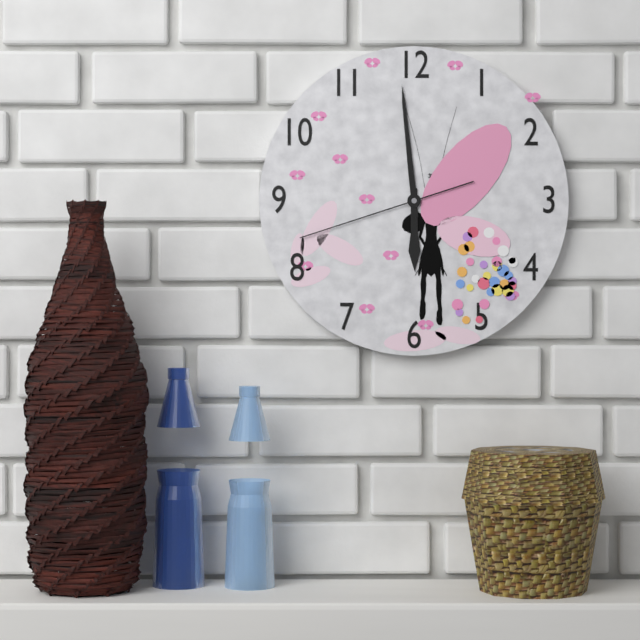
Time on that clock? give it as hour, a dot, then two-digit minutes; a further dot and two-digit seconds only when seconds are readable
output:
5.59.42
